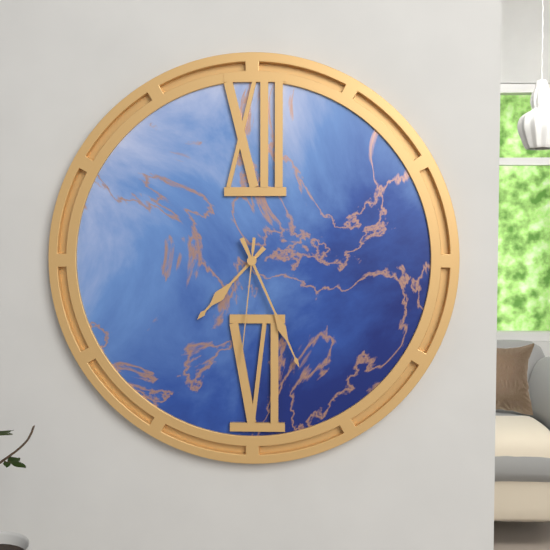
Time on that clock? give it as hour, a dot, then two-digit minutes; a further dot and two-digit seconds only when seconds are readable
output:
7.26.31
